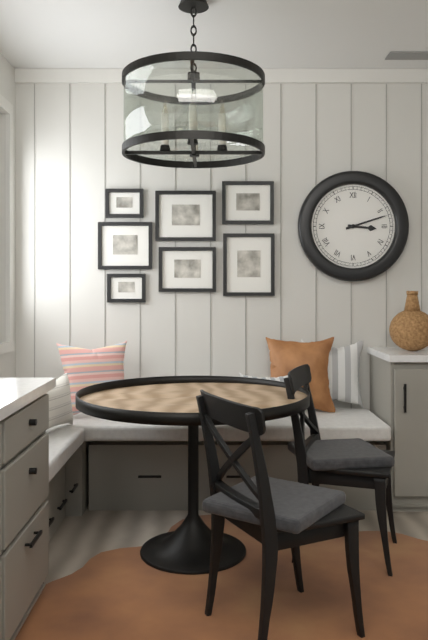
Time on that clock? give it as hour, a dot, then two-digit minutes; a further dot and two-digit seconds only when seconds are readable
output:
3.12
